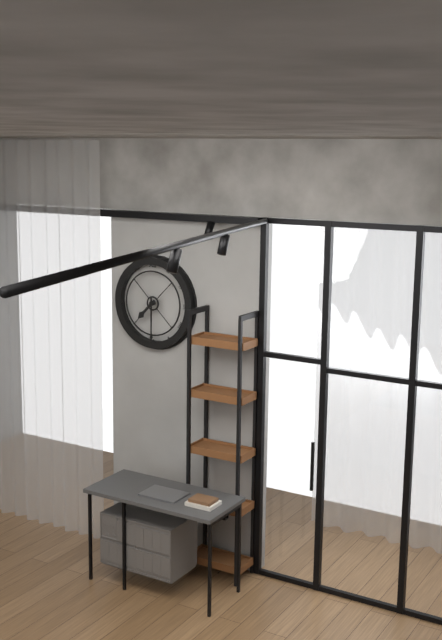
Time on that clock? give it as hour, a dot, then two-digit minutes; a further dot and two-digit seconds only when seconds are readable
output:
7.30
